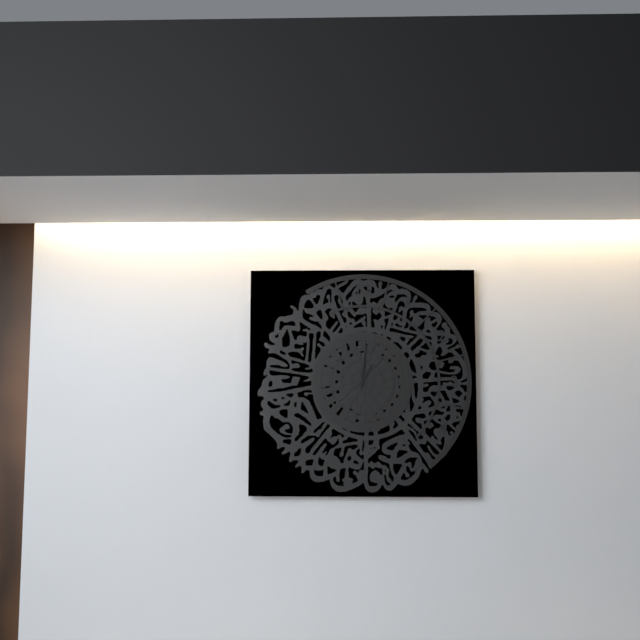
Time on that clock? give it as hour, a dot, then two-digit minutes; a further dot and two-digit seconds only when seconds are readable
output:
1.01
